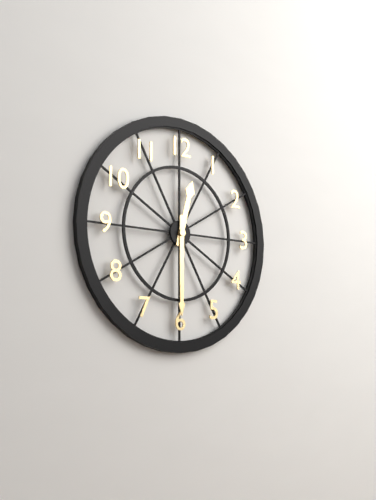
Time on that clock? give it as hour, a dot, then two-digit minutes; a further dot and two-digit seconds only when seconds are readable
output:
12.30
